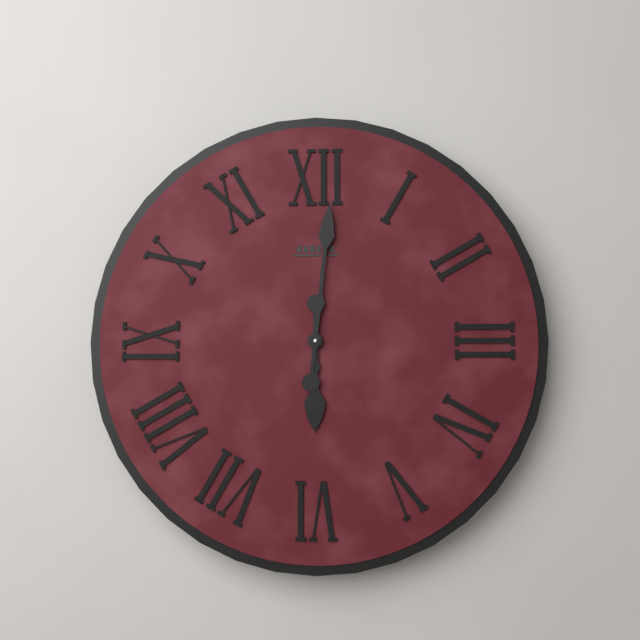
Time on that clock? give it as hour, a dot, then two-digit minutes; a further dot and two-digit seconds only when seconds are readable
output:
6.01
